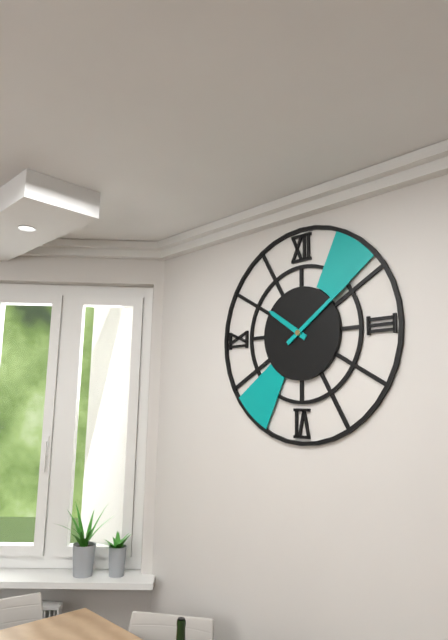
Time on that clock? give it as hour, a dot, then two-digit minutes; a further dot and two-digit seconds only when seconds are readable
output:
10.09
